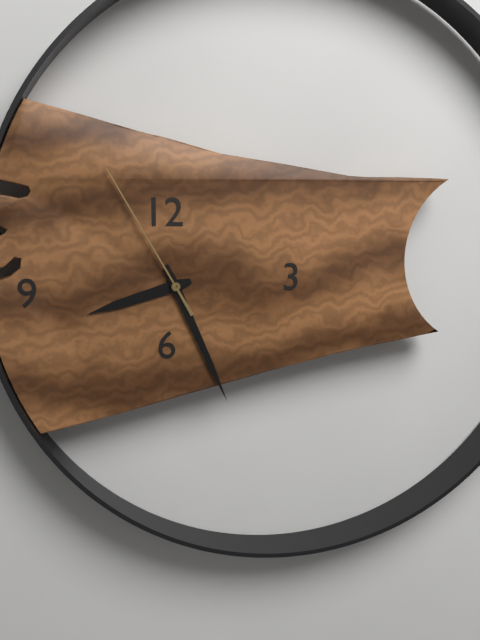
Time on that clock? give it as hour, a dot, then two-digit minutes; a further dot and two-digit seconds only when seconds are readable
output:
8.26.55
